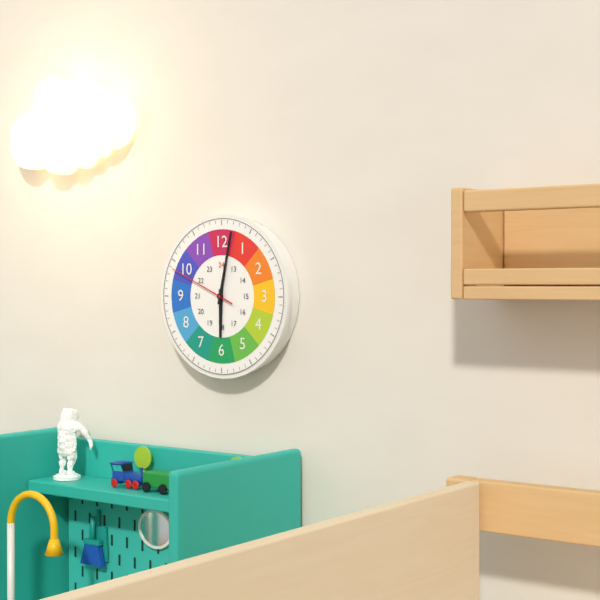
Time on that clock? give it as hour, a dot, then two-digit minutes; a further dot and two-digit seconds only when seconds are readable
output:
6.02.49
